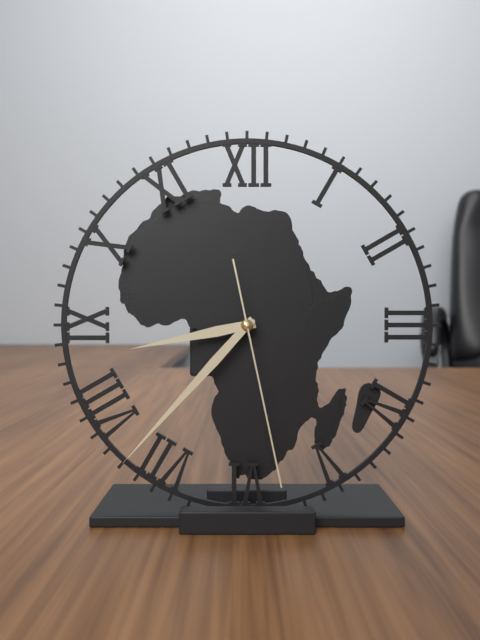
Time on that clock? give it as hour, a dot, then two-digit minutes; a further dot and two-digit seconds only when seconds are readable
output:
8.37.28
